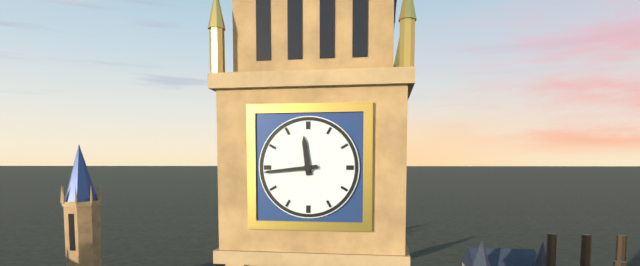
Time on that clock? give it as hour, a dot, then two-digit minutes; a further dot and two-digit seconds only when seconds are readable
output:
11.44
